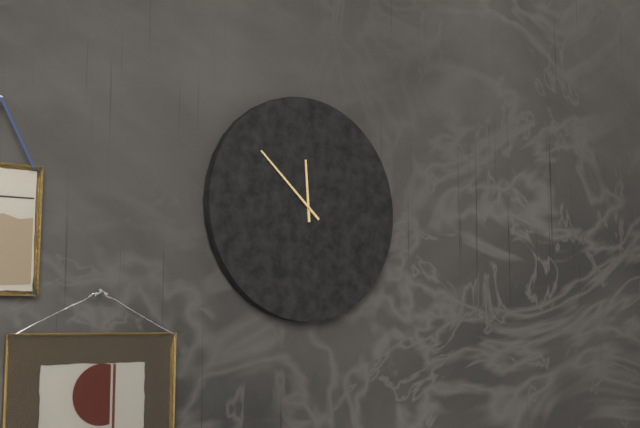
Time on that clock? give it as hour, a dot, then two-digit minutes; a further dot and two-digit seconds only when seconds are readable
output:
11.52
